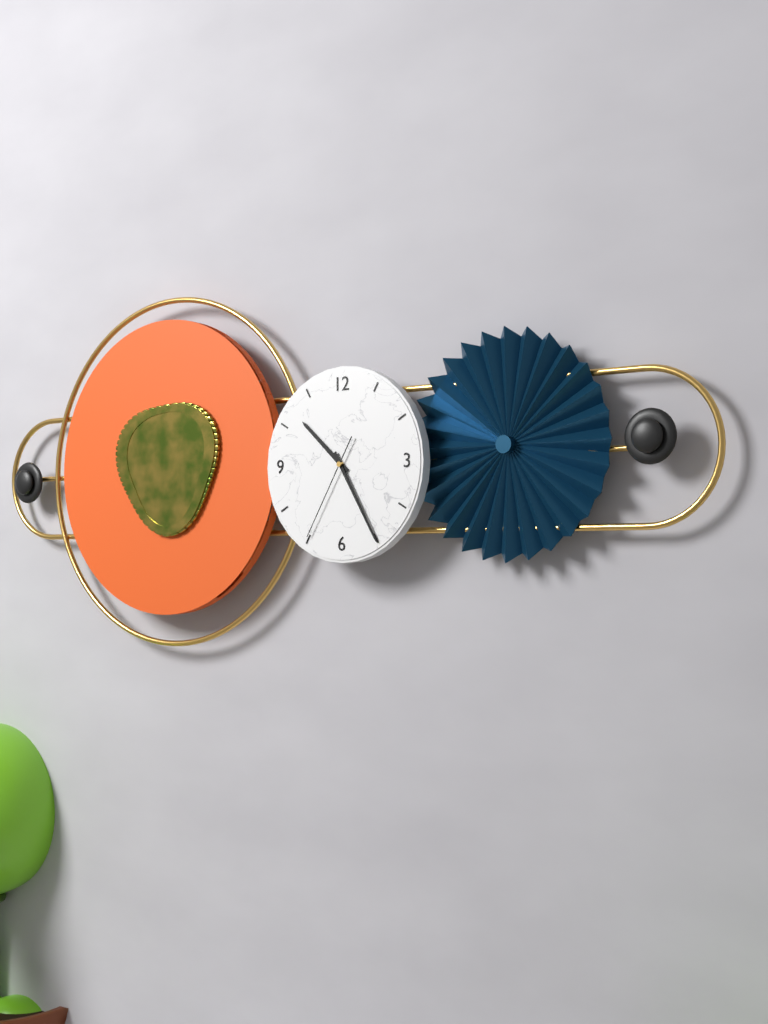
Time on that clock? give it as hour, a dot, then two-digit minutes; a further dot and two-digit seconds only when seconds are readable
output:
10.25.35
